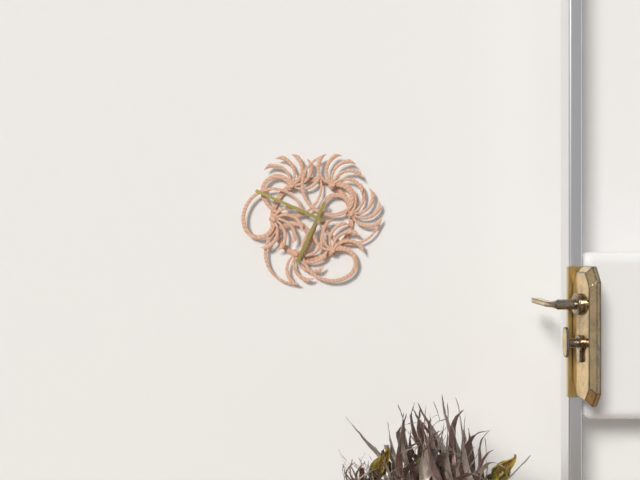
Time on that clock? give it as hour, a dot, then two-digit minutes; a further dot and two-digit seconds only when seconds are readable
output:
6.49
